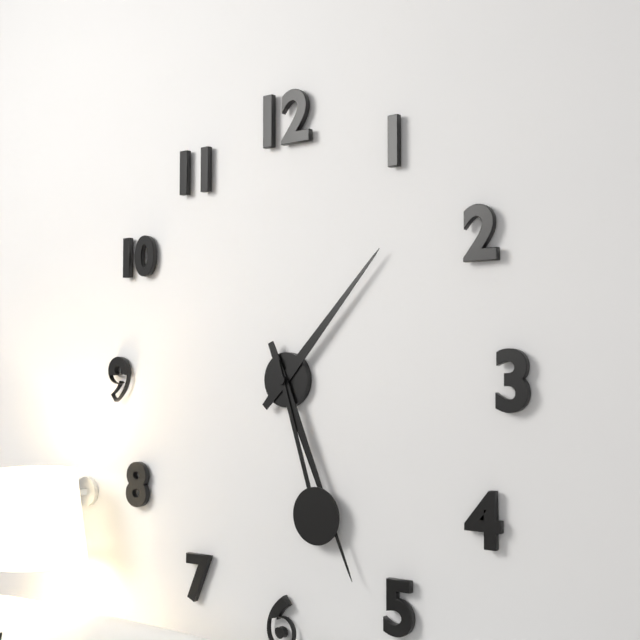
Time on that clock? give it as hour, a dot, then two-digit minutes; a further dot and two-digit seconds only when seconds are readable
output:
1.26.27
